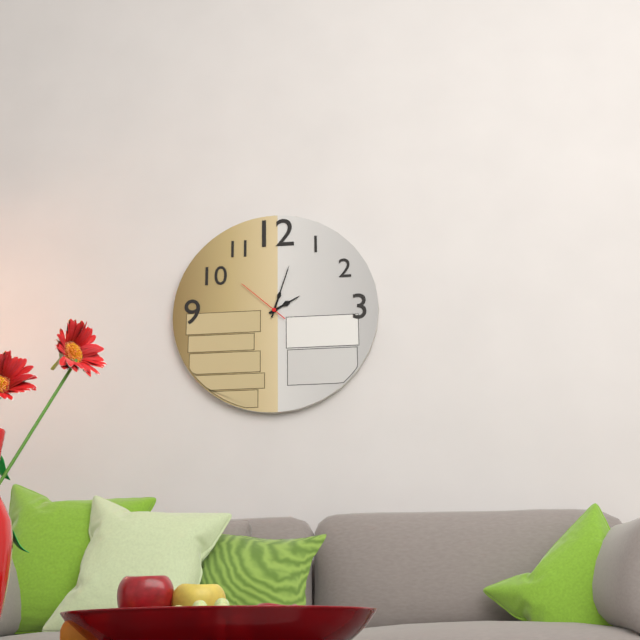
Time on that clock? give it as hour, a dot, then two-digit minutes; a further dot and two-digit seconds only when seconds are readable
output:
2.03.52
